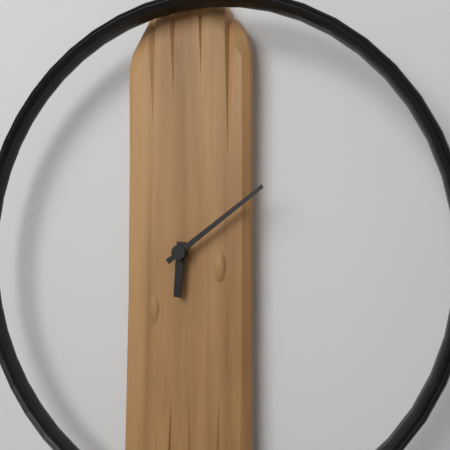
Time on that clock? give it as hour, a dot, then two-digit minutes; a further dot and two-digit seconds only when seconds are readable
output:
6.09
